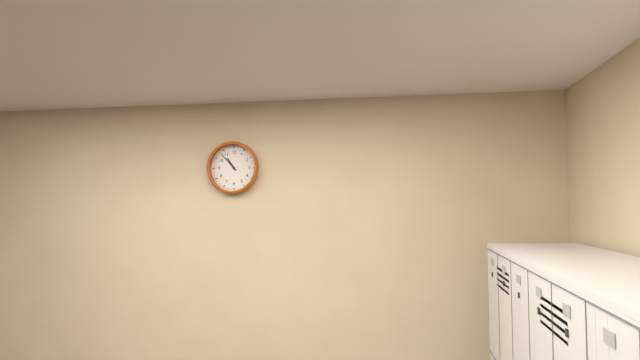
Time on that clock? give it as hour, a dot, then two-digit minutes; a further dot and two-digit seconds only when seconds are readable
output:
10.53
